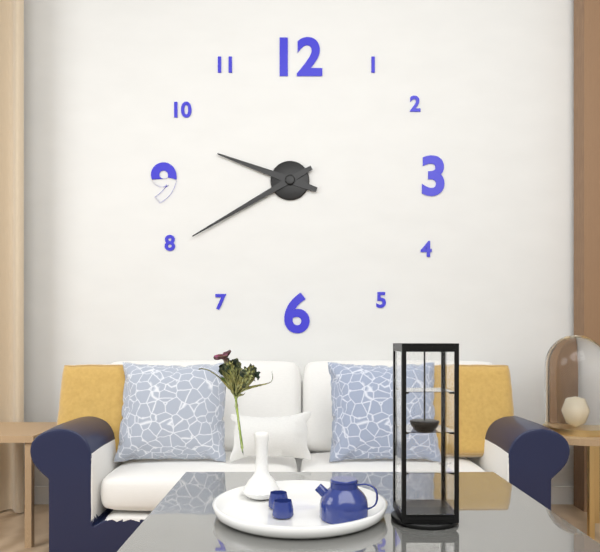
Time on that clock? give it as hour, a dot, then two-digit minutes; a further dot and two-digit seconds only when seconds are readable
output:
9.40
